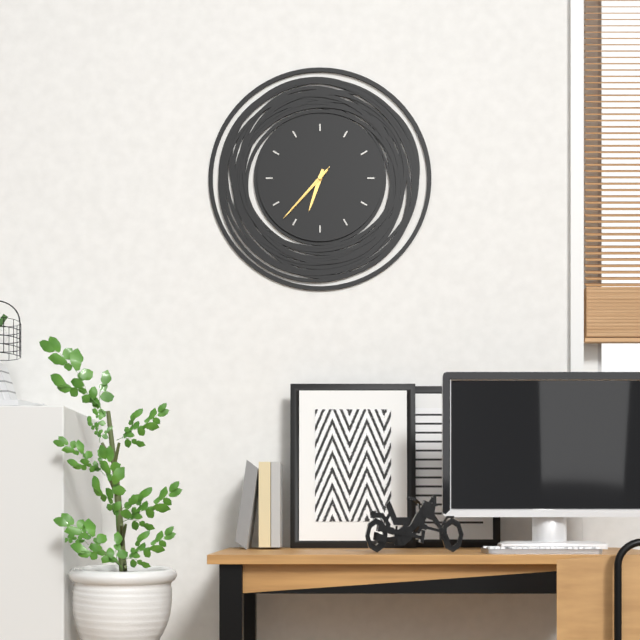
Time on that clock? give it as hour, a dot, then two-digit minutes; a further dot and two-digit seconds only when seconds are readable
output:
6.37.37
